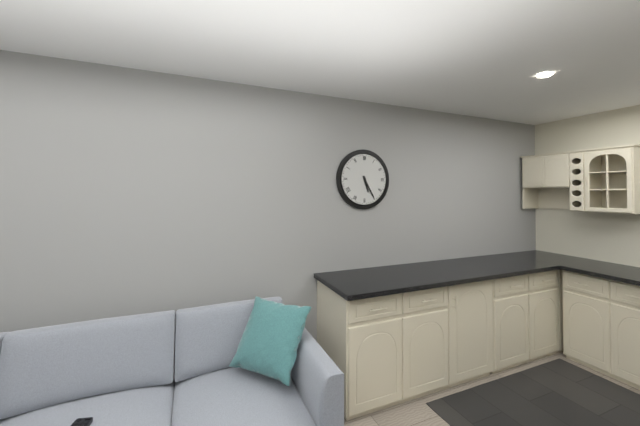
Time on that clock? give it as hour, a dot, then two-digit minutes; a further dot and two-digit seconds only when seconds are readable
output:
5.25
